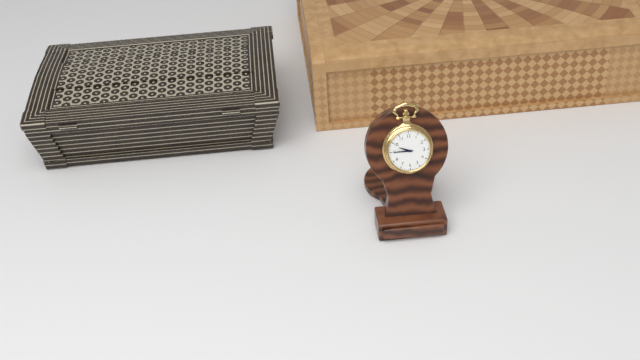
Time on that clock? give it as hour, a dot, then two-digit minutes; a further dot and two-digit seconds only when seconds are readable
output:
9.45
